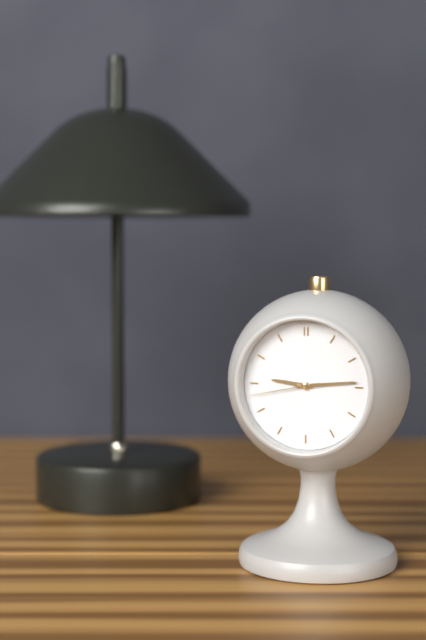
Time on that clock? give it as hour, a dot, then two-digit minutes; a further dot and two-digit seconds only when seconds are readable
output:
9.14.43
